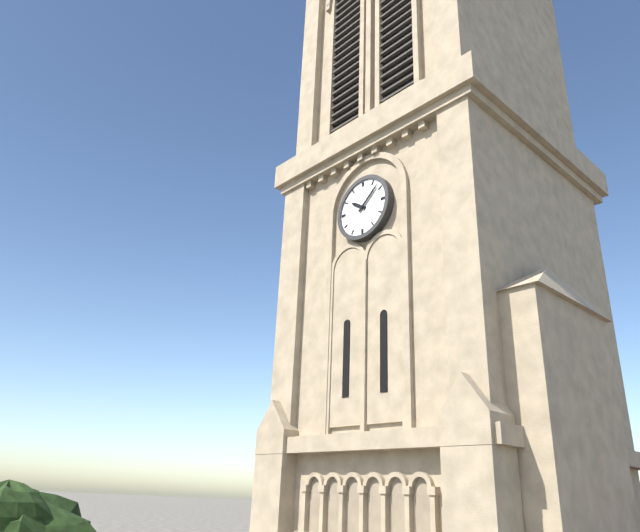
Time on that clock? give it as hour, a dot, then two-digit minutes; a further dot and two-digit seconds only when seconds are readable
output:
10.08
